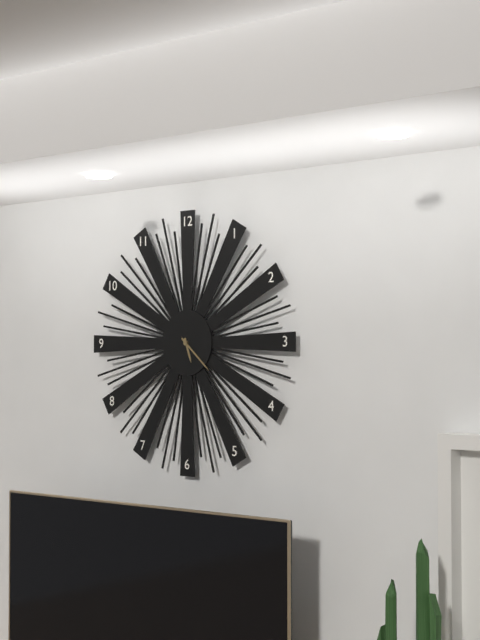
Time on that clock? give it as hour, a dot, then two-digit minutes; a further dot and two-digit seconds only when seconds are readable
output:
5.22
